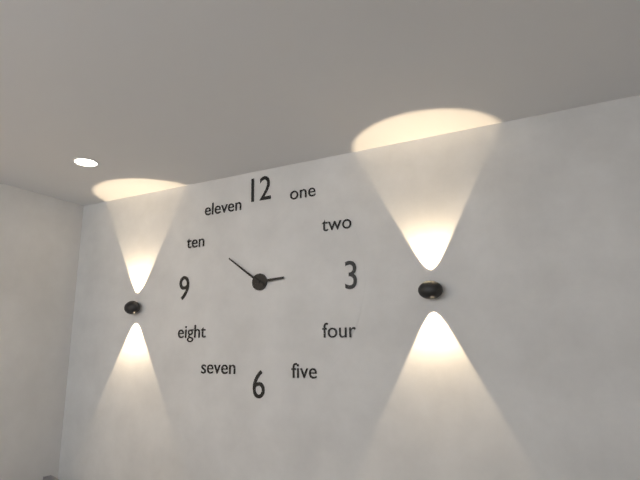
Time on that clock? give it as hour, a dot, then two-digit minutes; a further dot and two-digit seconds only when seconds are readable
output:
2.51
